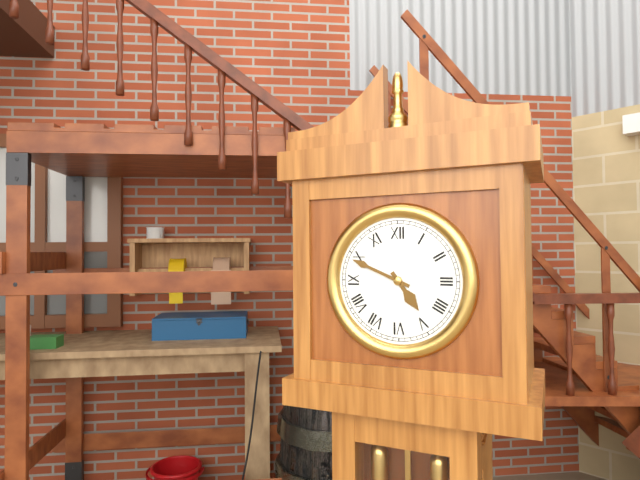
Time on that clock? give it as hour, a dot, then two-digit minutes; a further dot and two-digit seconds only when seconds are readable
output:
4.49
